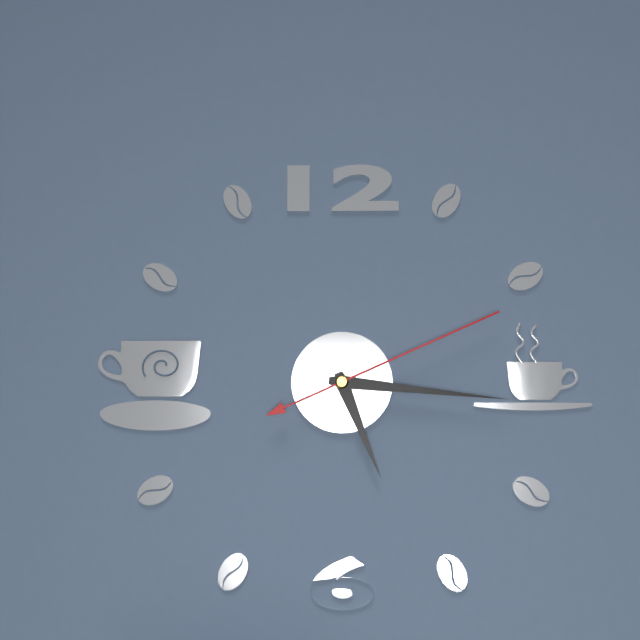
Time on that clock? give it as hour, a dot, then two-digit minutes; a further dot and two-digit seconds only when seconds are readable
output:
5.16.11
